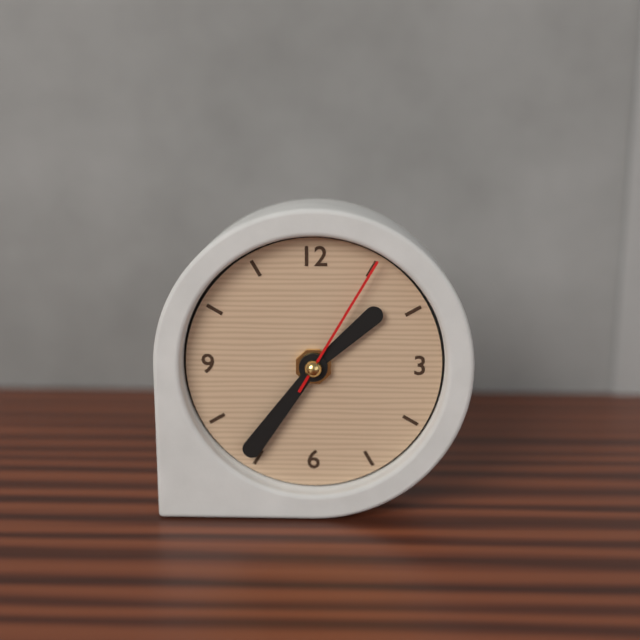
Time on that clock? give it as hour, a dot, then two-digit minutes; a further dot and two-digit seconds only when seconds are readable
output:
1.36.05
